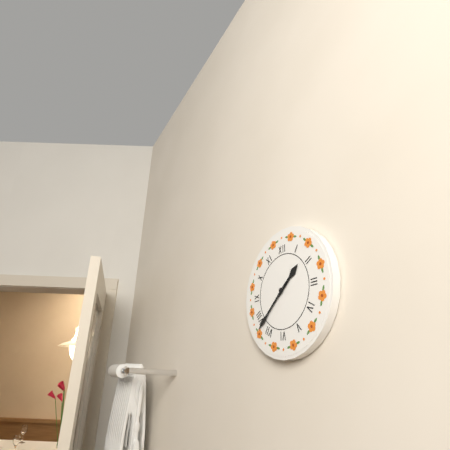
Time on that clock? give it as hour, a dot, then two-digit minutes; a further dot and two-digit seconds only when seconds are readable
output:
1.38
